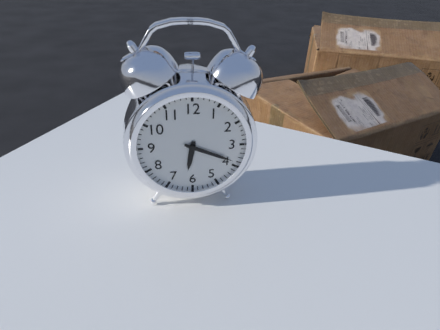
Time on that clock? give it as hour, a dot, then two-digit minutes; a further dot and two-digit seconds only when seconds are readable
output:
6.19
